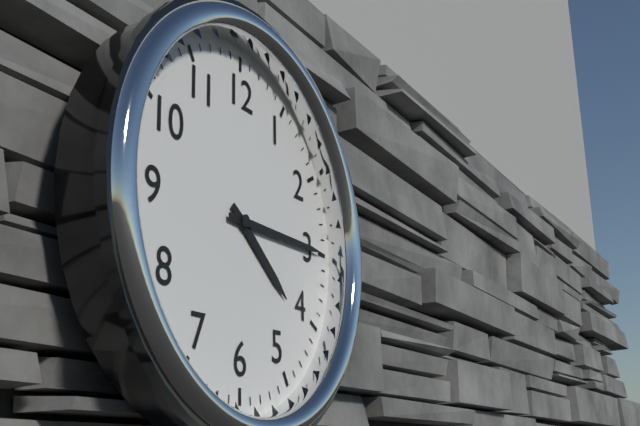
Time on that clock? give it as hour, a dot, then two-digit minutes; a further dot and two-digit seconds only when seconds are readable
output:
4.15
